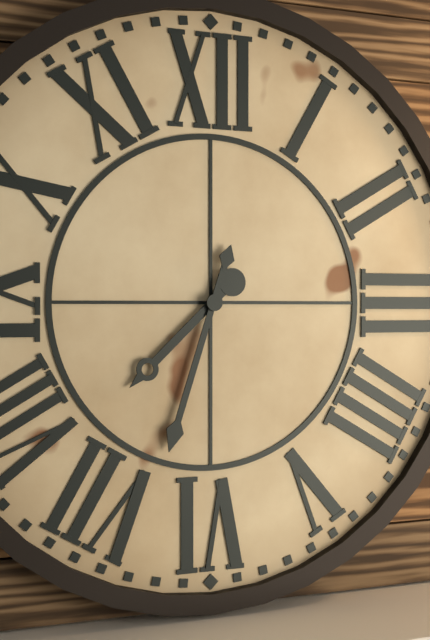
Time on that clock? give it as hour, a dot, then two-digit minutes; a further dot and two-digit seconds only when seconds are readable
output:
7.33
